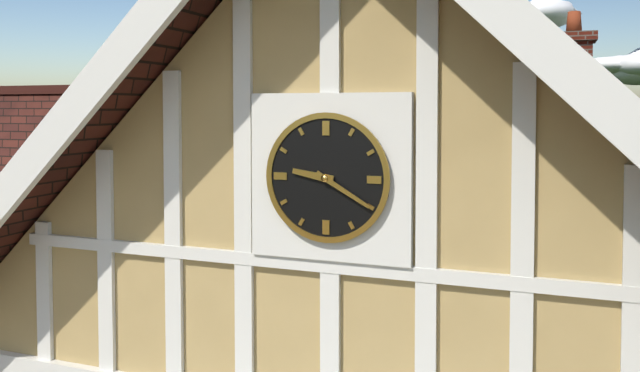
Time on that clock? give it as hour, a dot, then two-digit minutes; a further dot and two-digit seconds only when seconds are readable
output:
9.20
